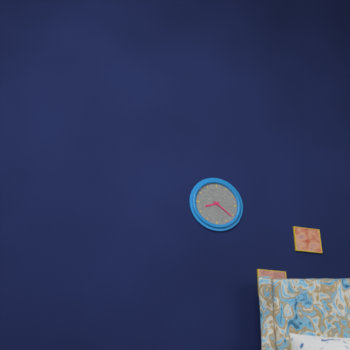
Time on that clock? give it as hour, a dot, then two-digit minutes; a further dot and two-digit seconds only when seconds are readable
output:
8.21
